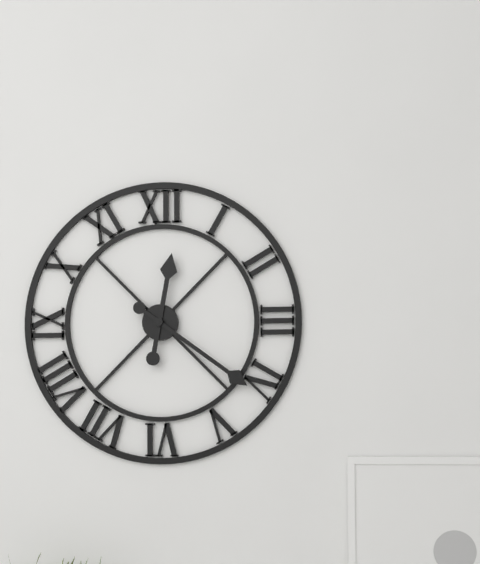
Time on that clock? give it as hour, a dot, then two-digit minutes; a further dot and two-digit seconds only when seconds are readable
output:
12.21
